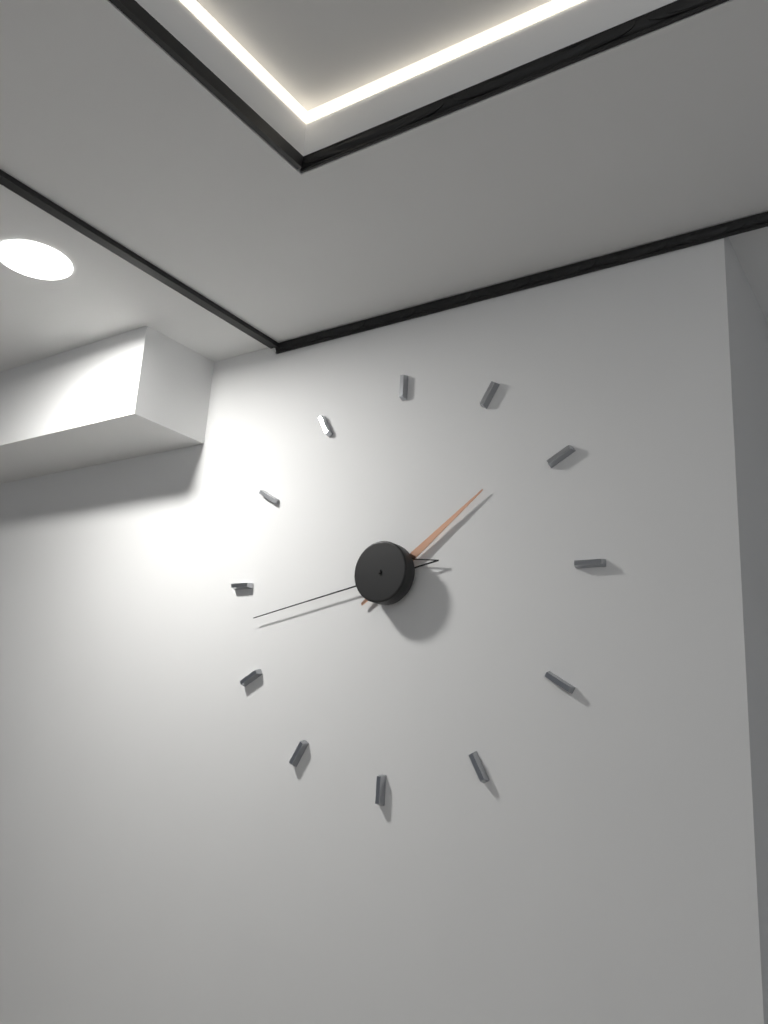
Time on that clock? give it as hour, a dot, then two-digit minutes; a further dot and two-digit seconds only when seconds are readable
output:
1.43
